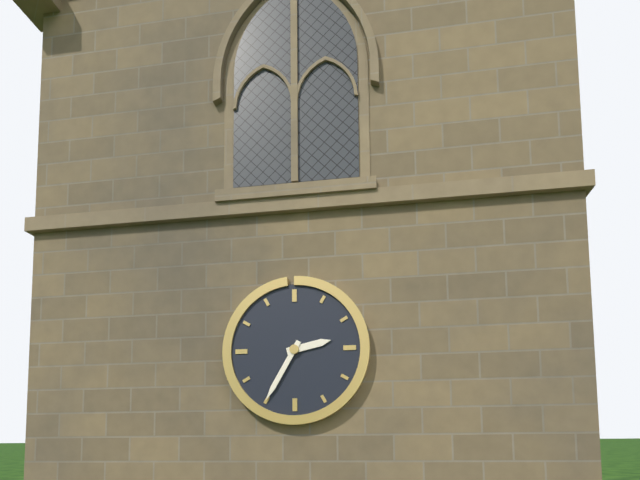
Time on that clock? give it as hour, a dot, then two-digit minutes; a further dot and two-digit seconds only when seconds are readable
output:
2.35
